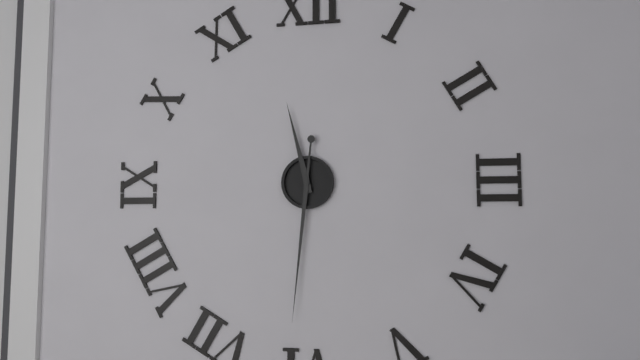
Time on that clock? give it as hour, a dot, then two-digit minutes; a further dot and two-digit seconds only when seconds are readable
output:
11.31
